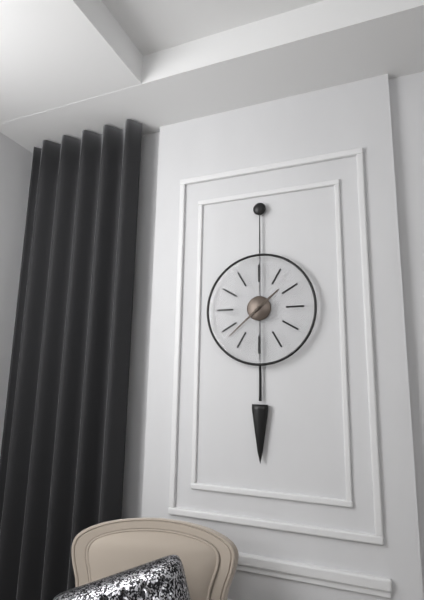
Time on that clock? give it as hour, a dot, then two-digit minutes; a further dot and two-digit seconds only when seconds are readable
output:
1.38
